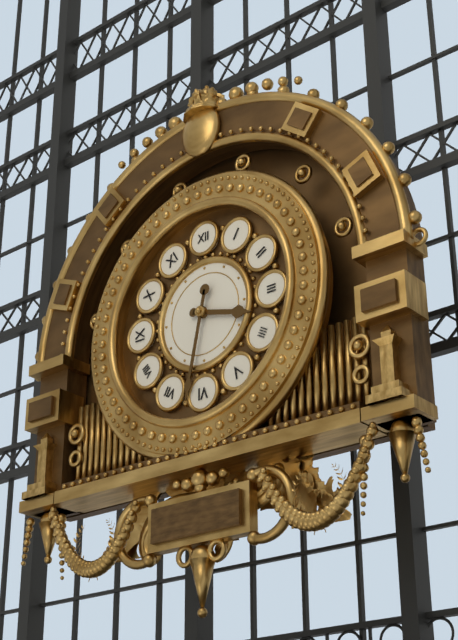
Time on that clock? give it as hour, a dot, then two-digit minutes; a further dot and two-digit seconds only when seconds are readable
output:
3.32
